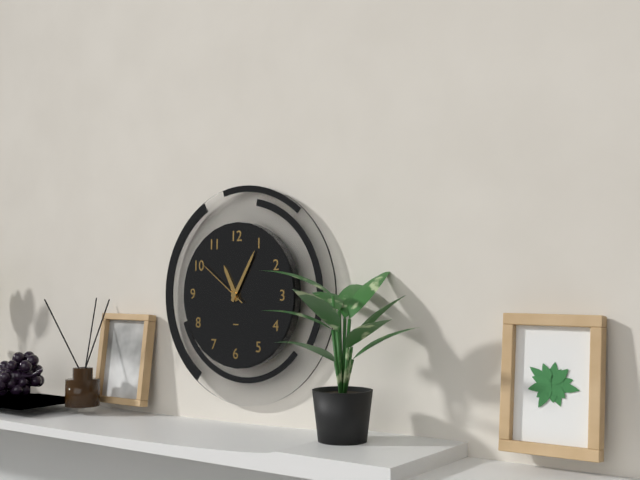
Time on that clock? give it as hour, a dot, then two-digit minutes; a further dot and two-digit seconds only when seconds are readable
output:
11.05.51
